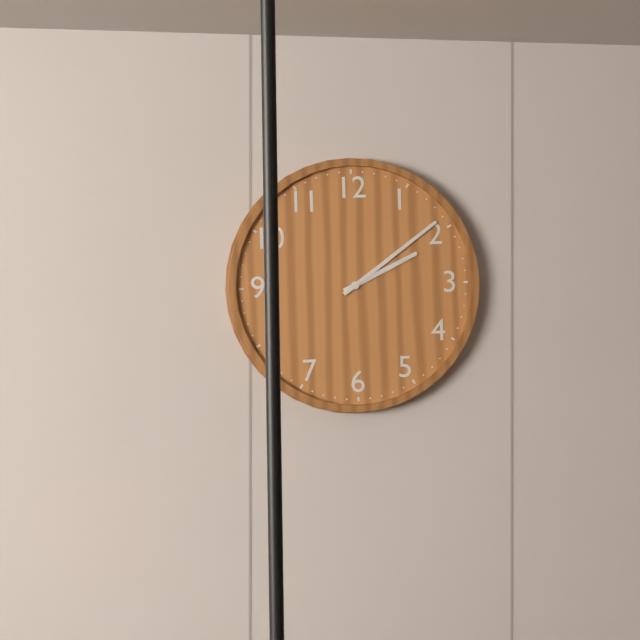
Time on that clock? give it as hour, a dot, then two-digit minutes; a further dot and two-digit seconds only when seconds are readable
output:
2.09
